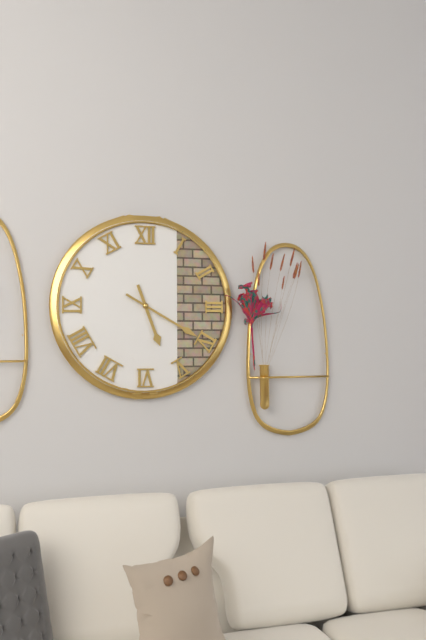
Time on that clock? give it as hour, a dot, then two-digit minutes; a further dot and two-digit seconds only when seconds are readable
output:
5.20
